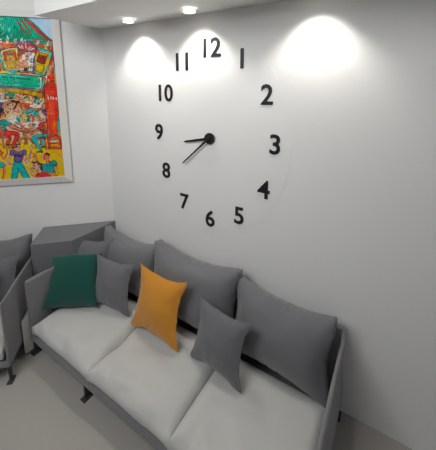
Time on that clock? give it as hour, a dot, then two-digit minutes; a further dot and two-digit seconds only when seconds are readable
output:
8.38
